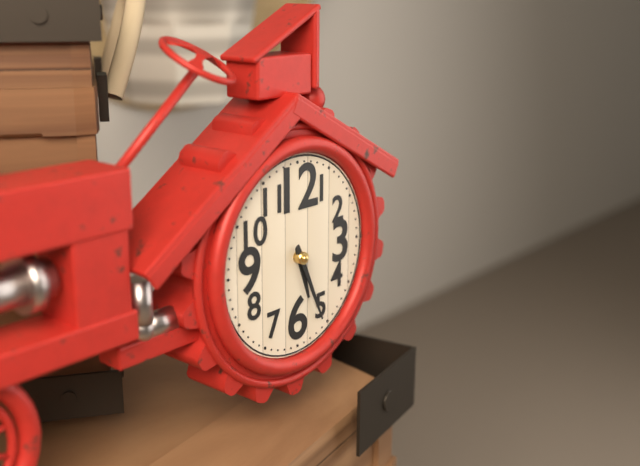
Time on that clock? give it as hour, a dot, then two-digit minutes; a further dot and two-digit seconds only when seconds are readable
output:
5.26
